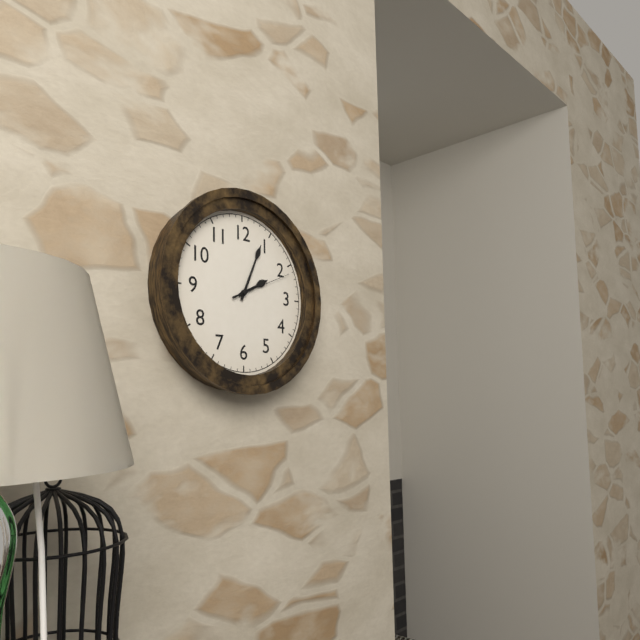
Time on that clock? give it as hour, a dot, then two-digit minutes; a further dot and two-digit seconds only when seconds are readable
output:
2.04.11
